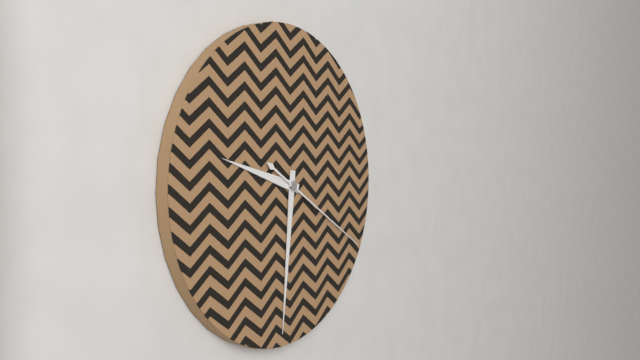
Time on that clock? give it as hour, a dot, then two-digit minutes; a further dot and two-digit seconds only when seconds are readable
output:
9.31.20
